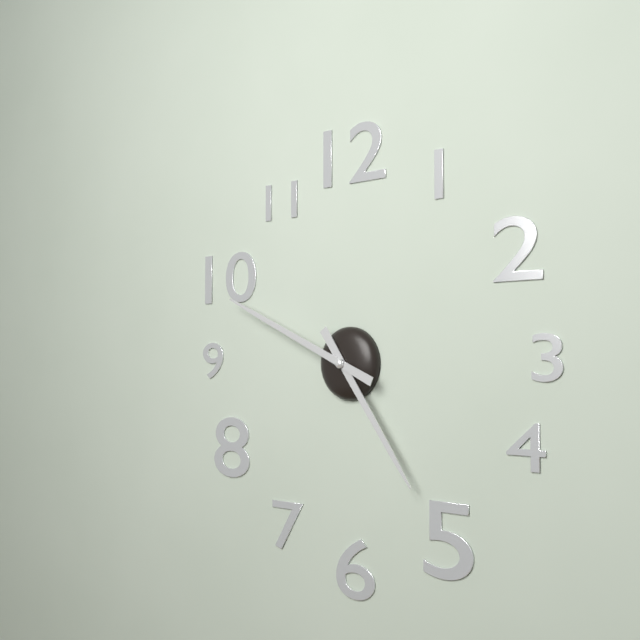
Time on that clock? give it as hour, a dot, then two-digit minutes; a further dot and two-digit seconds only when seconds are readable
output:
4.49
